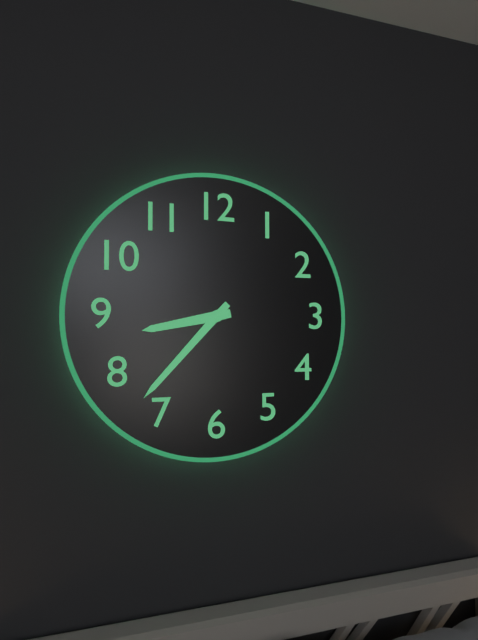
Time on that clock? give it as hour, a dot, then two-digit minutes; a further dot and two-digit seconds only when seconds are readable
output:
8.37
